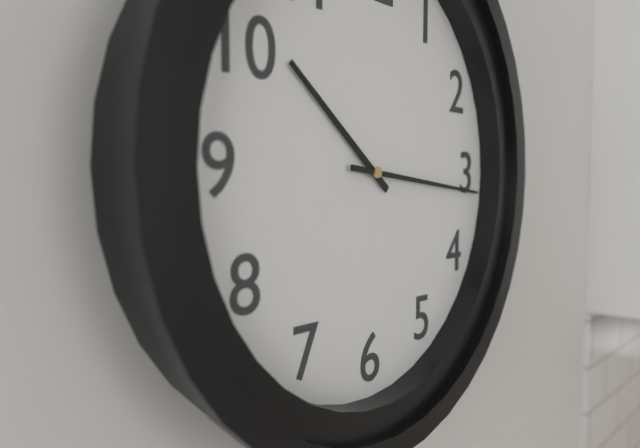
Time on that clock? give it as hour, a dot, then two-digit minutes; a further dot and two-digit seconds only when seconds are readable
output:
10.16
